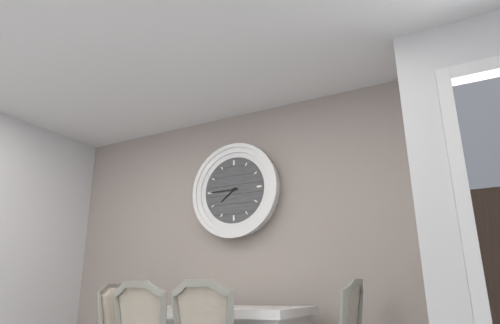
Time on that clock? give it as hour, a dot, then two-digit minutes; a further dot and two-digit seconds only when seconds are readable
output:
7.45
